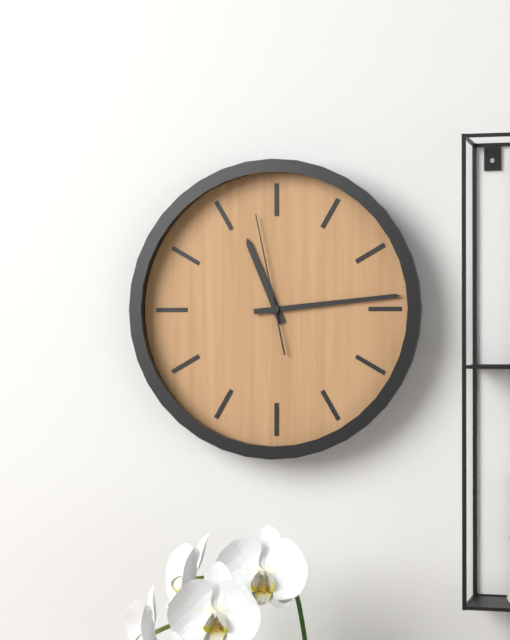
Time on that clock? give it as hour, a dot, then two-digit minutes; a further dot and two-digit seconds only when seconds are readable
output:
11.14.58
